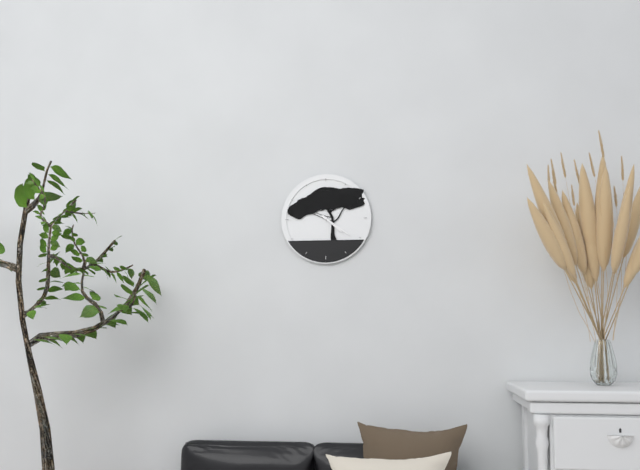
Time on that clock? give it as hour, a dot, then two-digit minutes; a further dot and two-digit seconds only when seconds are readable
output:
4.21
